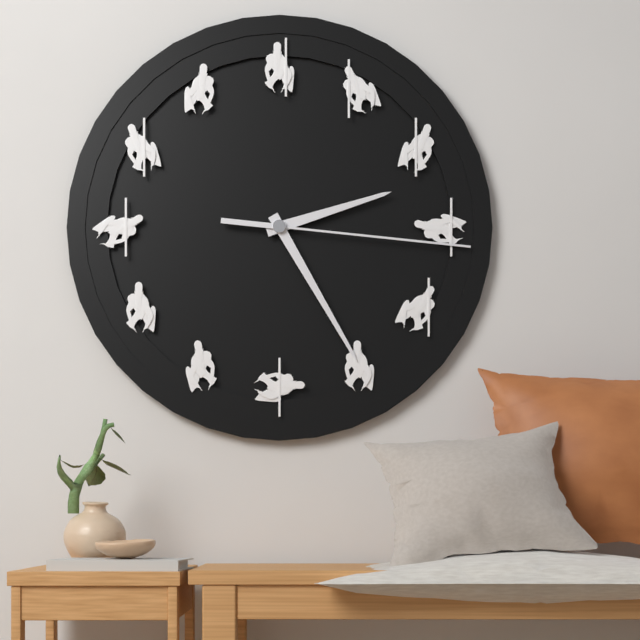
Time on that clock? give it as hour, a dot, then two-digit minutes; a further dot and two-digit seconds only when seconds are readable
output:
2.25.16
